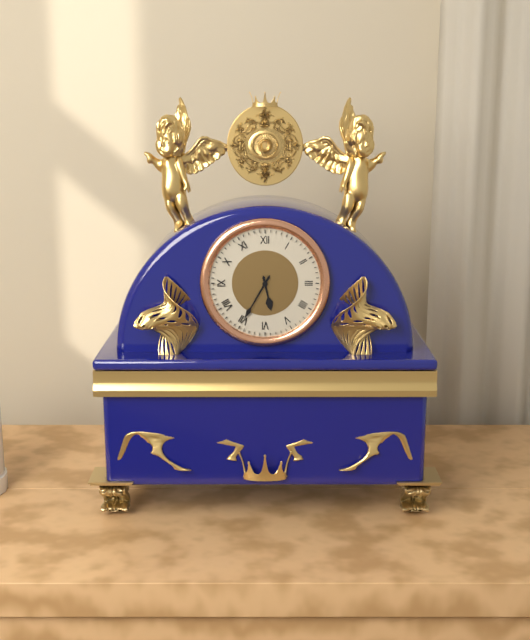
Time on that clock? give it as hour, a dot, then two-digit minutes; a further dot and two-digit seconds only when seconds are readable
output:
5.35
